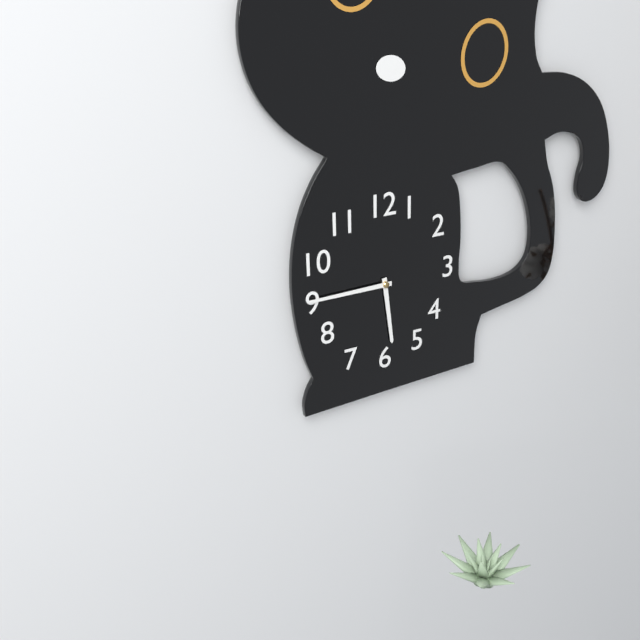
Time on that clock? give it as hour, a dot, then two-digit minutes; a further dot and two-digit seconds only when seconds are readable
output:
5.45
